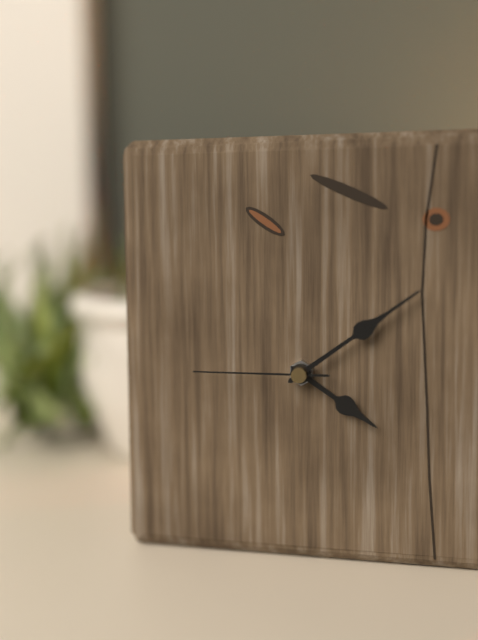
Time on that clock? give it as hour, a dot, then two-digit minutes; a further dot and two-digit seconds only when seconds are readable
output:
4.09.45
